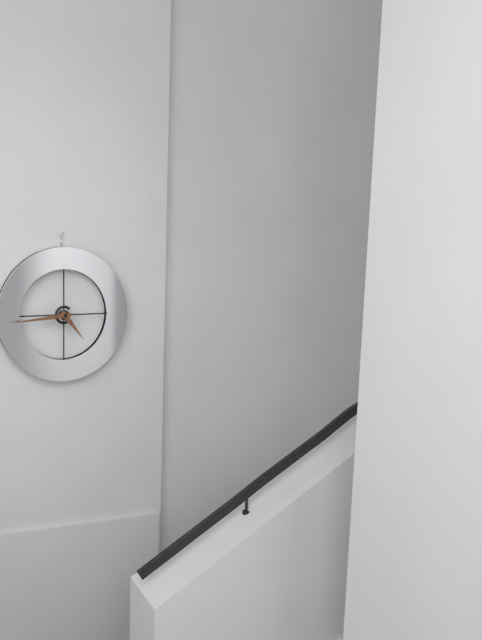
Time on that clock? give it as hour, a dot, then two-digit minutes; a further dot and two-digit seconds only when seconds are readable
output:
4.44
